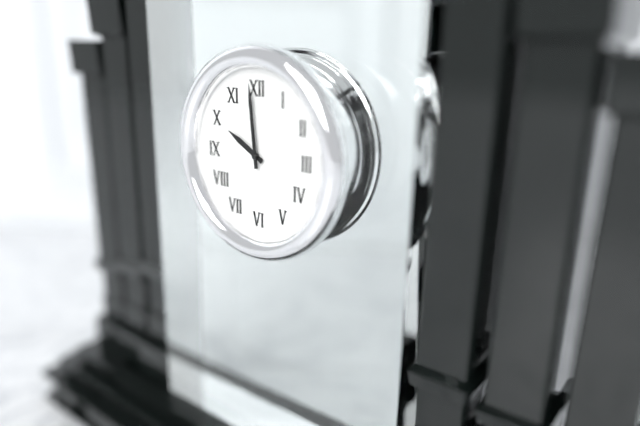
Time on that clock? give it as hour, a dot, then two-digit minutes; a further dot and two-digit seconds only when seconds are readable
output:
9.59
